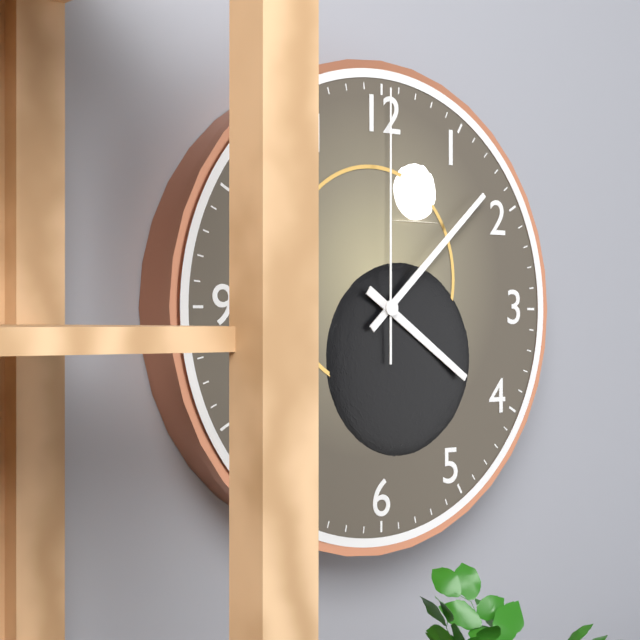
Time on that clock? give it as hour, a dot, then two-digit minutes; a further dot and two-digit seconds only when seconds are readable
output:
4.08.00
